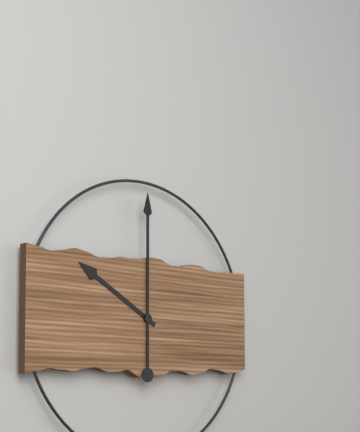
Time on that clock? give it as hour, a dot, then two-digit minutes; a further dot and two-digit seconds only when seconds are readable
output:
10.00
